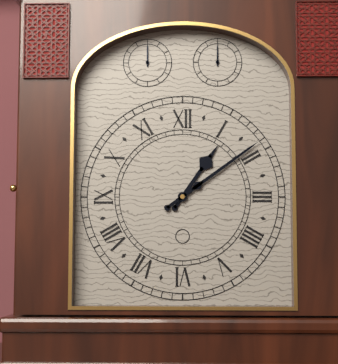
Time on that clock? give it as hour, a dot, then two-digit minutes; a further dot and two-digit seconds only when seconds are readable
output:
1.09
